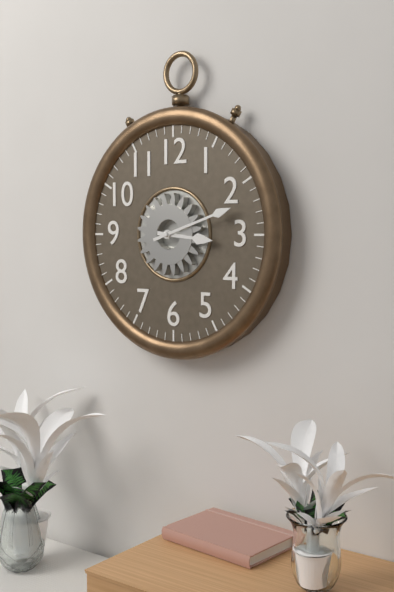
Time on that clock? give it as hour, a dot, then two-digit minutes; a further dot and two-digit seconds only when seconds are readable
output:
3.12
